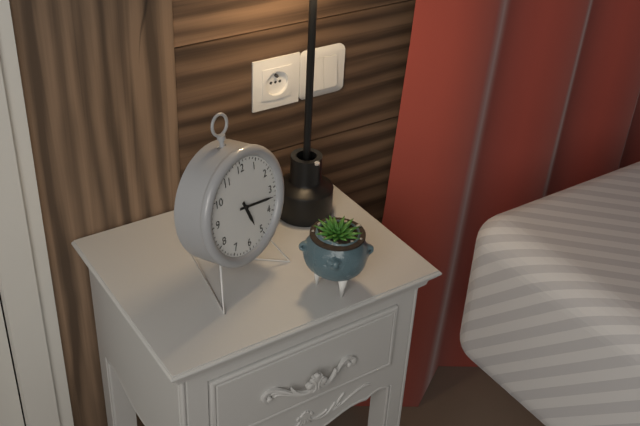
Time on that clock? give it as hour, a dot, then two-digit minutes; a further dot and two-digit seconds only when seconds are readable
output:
5.17
